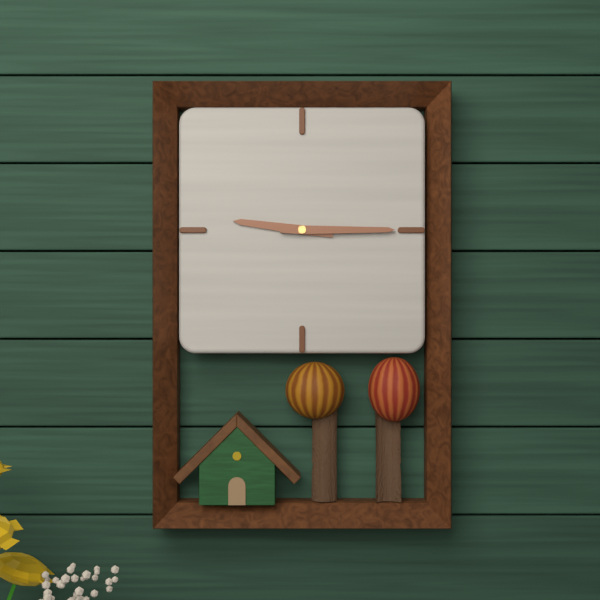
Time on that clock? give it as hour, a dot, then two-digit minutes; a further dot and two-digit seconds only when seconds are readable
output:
9.15
